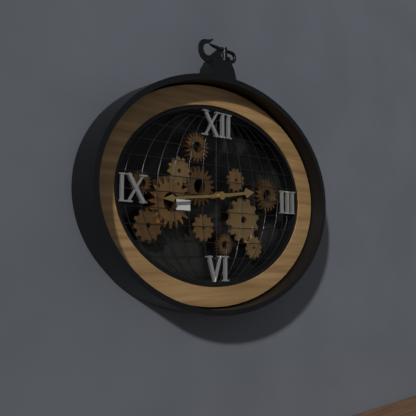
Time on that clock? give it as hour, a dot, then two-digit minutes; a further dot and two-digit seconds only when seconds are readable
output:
2.44
